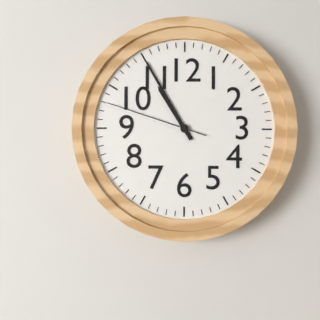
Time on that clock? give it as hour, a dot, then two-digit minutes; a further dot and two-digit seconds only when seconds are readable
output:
10.55.48
